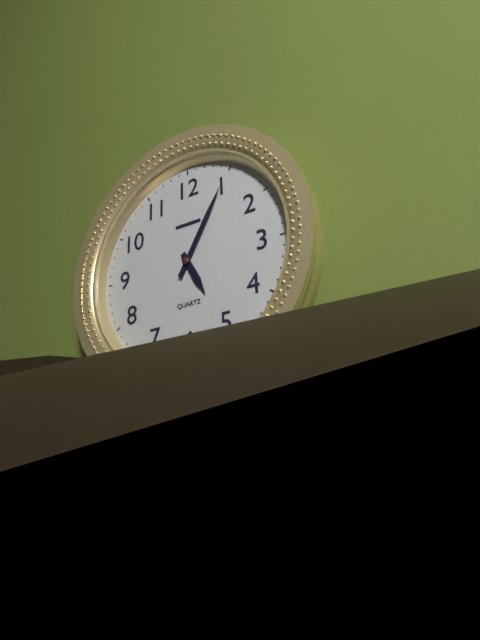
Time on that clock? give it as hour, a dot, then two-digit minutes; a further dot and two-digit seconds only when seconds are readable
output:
5.05
